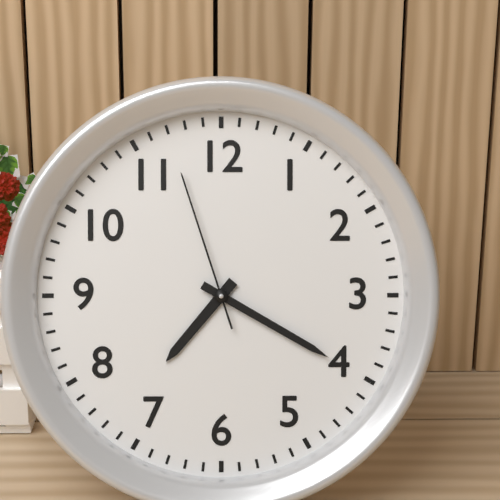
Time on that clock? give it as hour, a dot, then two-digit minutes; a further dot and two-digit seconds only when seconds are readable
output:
7.20.57
